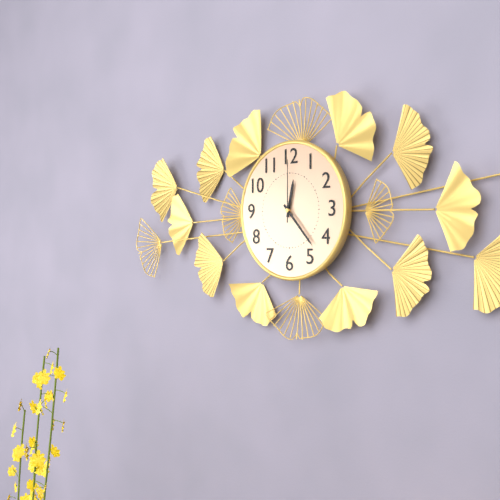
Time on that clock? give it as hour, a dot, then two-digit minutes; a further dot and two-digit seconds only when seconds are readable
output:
12.23.00
